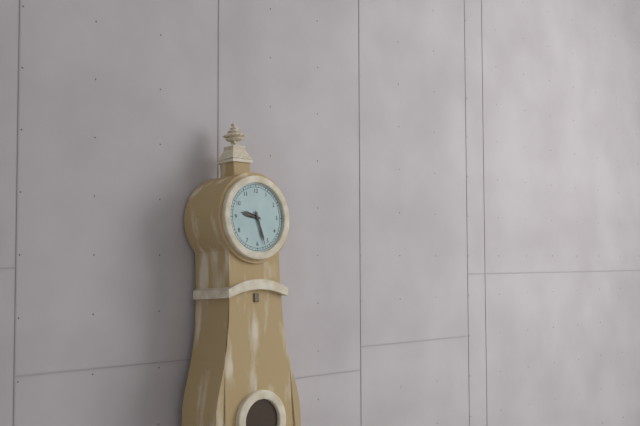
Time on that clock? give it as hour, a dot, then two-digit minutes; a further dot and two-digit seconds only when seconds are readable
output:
9.27
